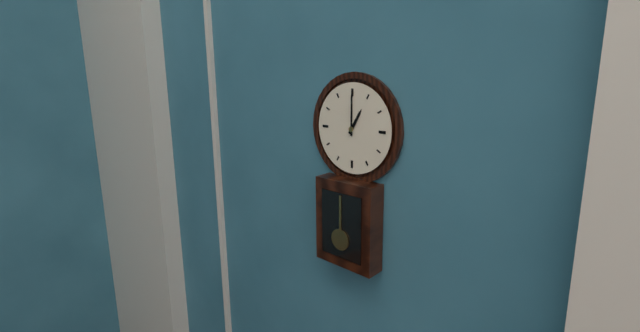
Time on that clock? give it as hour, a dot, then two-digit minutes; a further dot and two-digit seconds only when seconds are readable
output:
1.00
